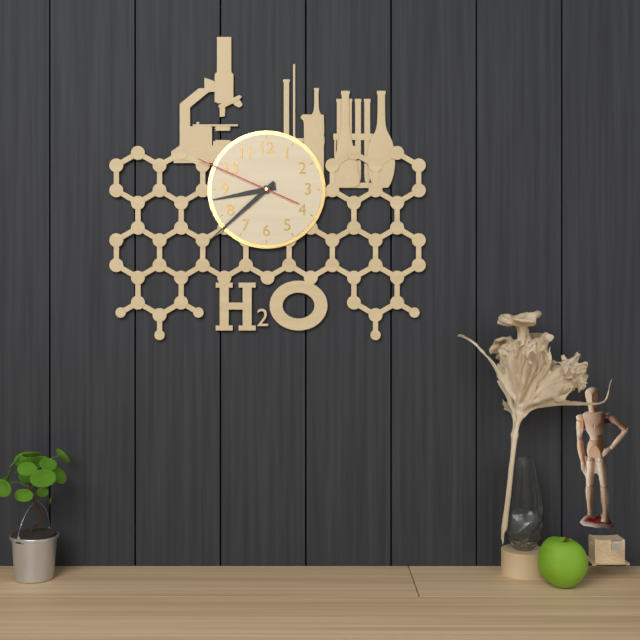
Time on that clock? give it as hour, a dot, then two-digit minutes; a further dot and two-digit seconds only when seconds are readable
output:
8.38.49
